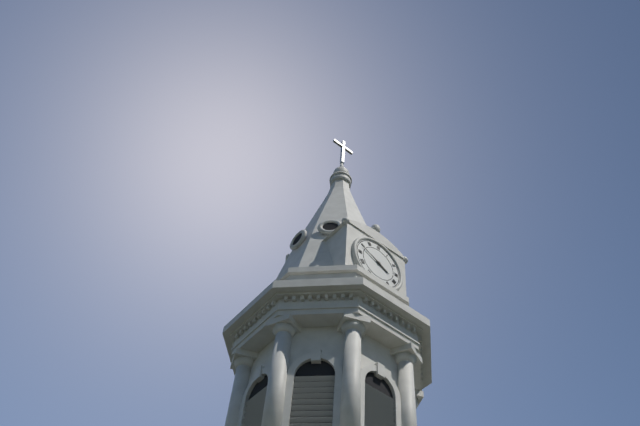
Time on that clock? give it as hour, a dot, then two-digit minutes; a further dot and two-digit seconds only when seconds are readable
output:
3.49
